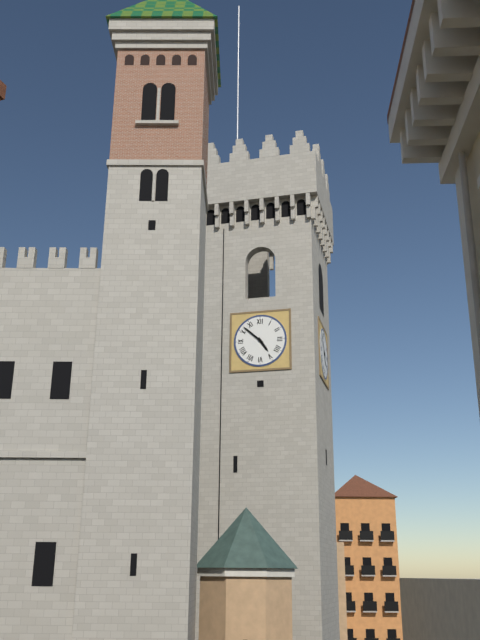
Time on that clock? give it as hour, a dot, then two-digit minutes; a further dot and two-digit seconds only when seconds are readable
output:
4.52
